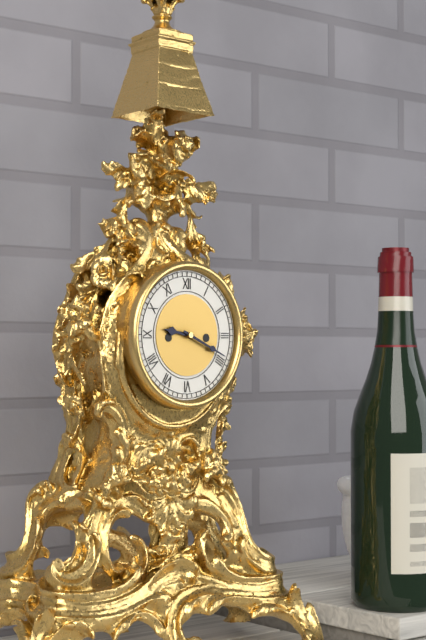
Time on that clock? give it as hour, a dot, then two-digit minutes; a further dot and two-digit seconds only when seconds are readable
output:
9.19
